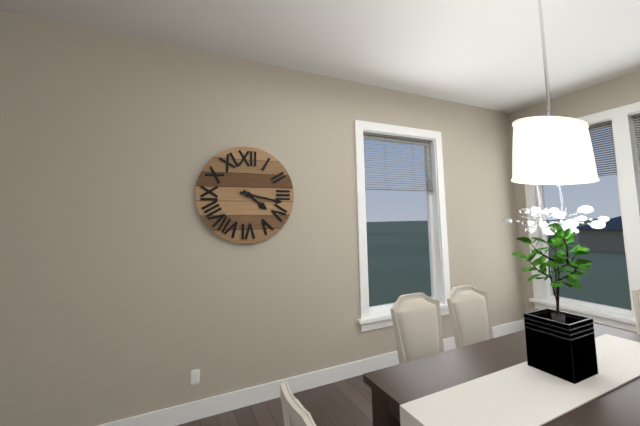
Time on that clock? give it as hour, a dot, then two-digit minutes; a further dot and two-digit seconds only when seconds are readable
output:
4.17
